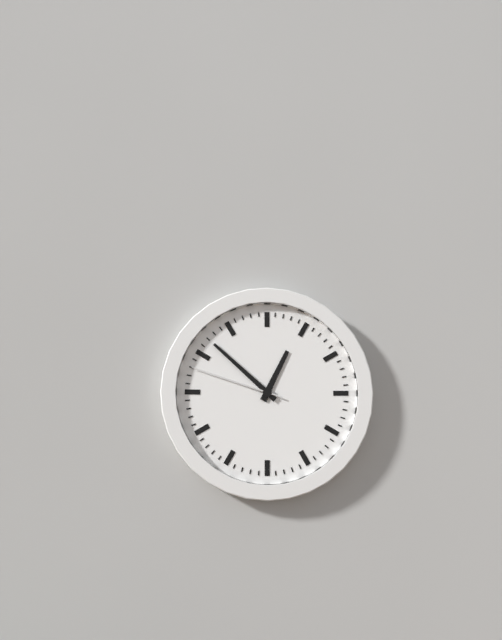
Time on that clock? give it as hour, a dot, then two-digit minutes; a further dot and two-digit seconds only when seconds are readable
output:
12.52.48
